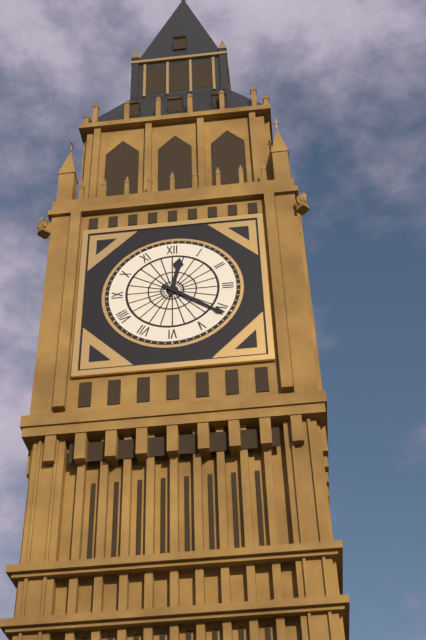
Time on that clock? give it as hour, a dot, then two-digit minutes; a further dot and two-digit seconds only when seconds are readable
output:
12.21
